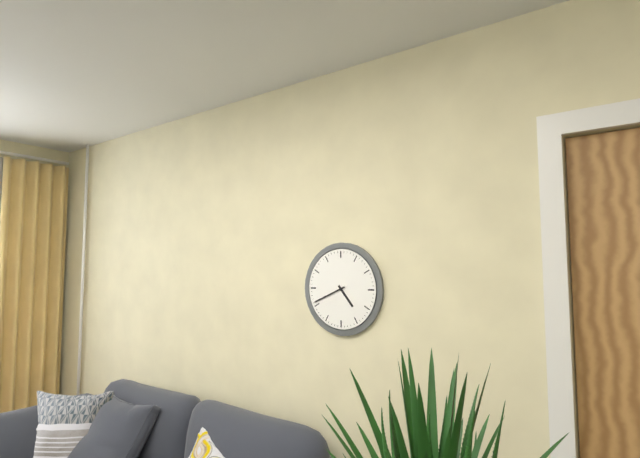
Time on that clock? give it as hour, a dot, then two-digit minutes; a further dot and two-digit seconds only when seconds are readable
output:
4.41
